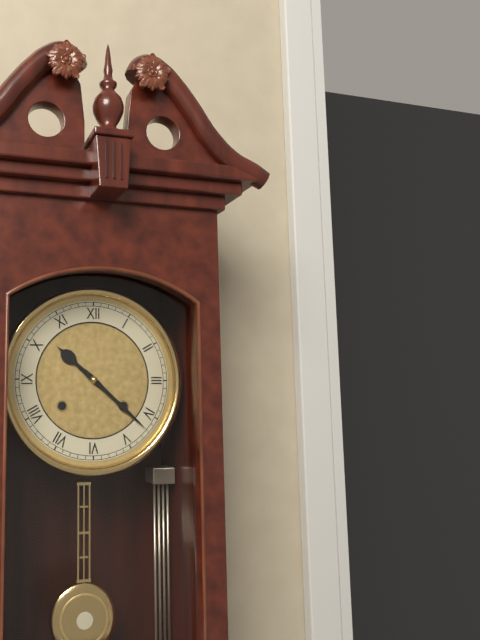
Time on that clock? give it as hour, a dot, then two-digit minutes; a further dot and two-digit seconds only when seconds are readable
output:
10.22
